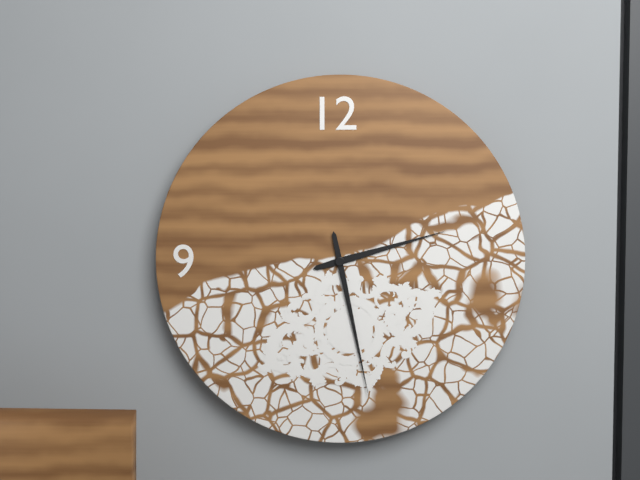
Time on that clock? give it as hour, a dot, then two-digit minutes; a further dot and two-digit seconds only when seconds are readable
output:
2.28
